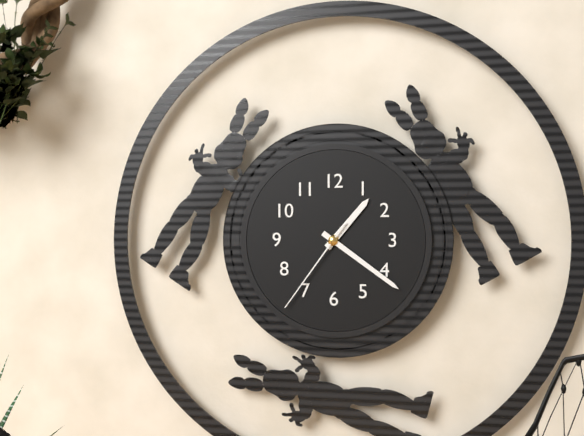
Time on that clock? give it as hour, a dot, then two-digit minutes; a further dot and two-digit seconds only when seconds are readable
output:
1.21.36
